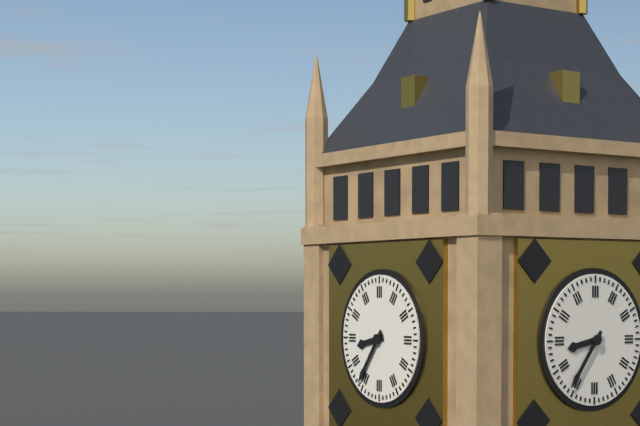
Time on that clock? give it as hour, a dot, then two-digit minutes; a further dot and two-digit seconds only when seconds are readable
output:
8.36
